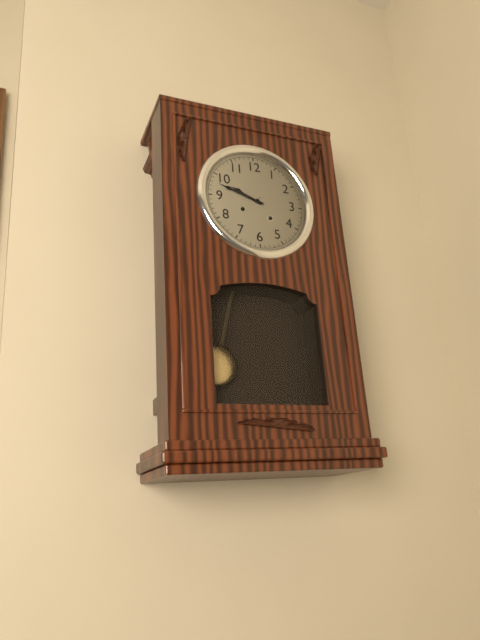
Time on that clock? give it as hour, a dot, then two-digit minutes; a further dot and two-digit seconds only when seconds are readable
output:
9.48
